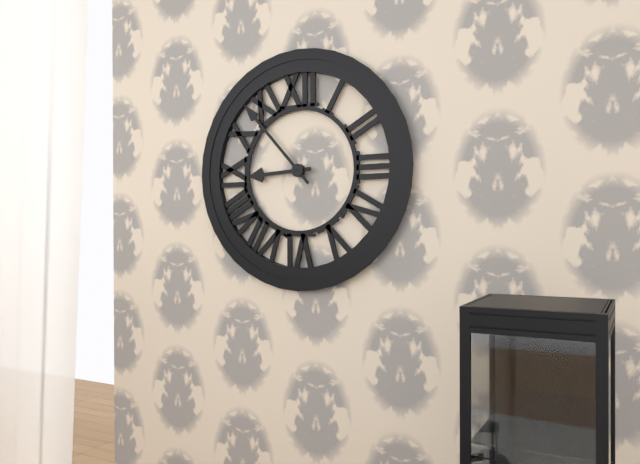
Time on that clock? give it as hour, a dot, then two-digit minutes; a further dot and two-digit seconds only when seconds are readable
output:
8.53
